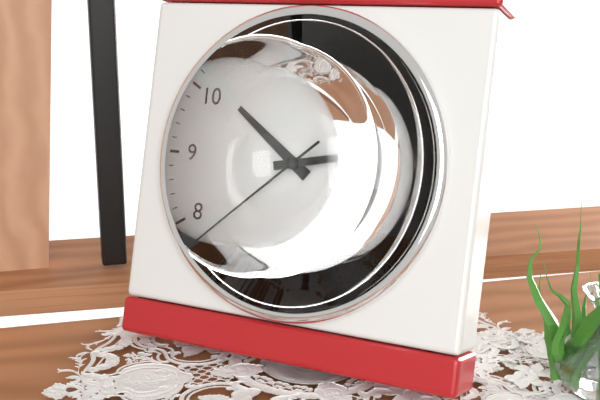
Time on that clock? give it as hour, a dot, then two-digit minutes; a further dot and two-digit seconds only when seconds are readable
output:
10.13.38
